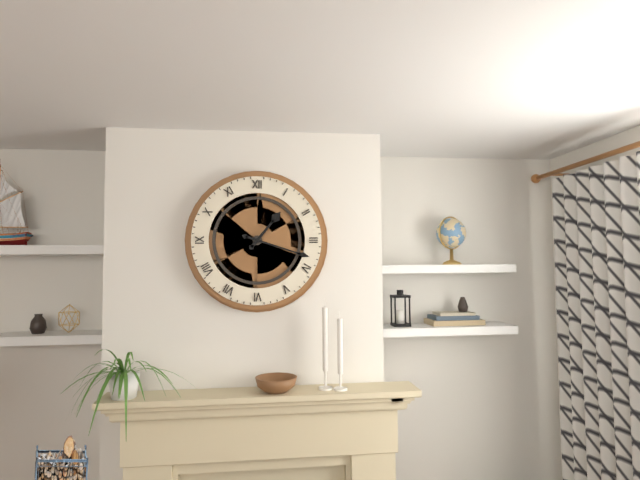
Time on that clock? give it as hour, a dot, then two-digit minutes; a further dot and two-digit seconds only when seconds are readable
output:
1.18
